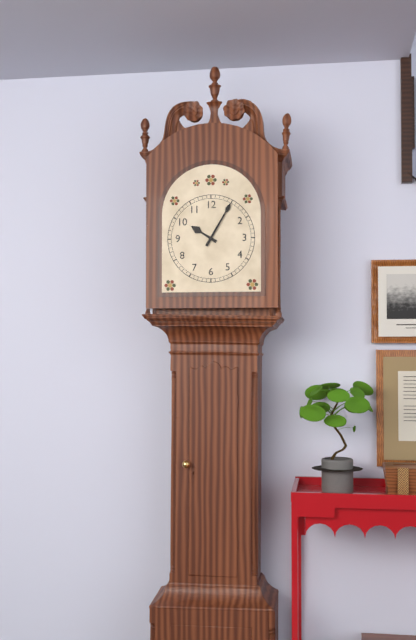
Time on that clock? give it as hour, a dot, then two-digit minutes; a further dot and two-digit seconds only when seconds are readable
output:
10.05
